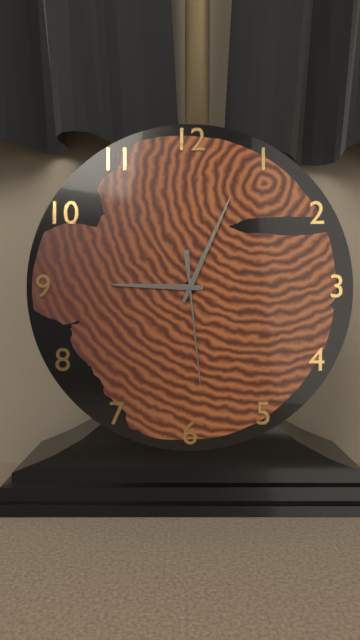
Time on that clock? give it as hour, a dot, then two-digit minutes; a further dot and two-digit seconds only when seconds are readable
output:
9.04.29
